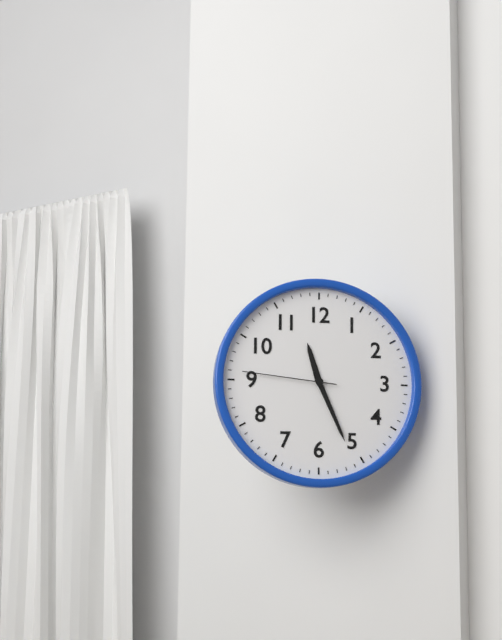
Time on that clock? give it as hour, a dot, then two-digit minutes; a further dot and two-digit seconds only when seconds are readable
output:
11.26.46
